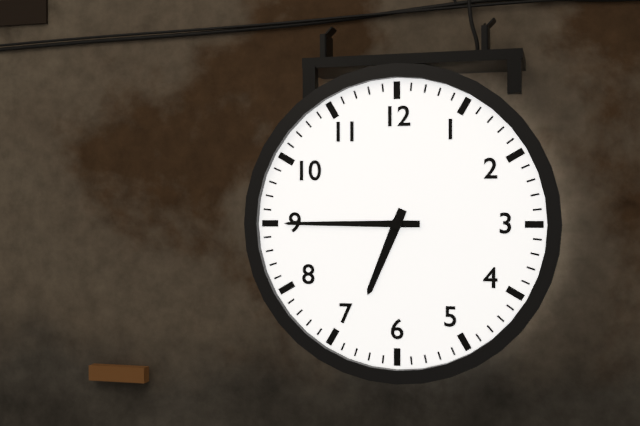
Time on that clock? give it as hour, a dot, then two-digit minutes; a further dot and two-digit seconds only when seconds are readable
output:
6.45
